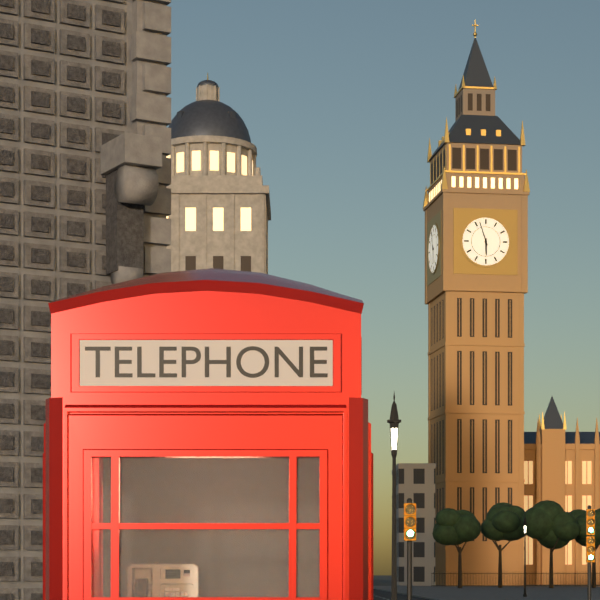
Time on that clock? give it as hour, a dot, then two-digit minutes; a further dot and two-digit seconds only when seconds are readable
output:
5.57
